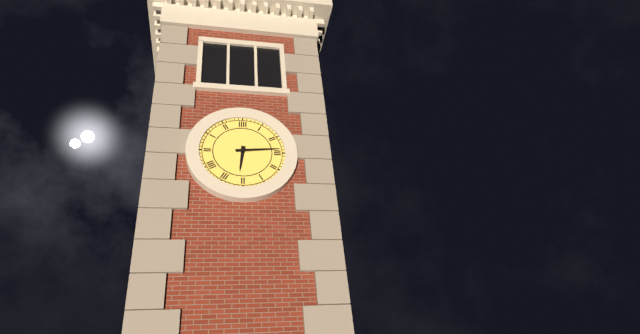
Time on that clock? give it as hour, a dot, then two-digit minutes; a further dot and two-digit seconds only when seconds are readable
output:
6.14
